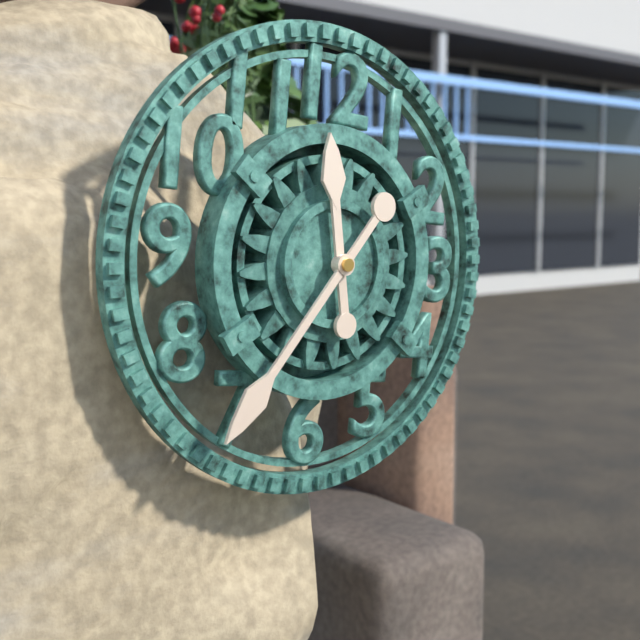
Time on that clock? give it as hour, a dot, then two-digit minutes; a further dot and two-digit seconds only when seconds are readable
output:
11.36
